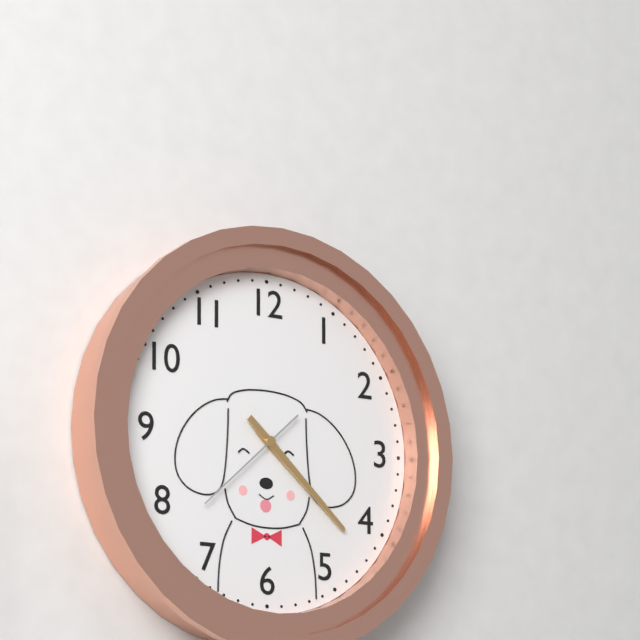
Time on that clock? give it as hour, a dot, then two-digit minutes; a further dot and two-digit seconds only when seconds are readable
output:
4.22.38
